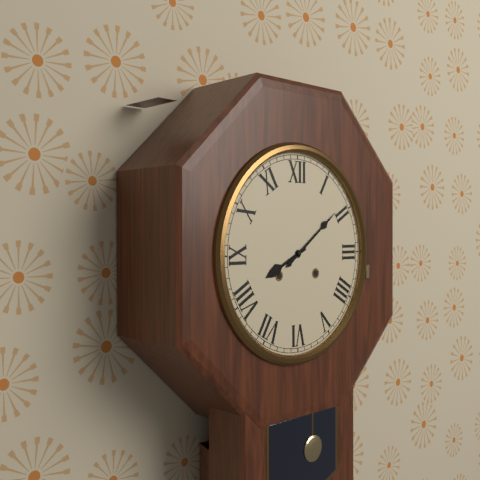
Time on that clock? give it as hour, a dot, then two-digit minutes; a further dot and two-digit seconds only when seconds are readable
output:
8.09
